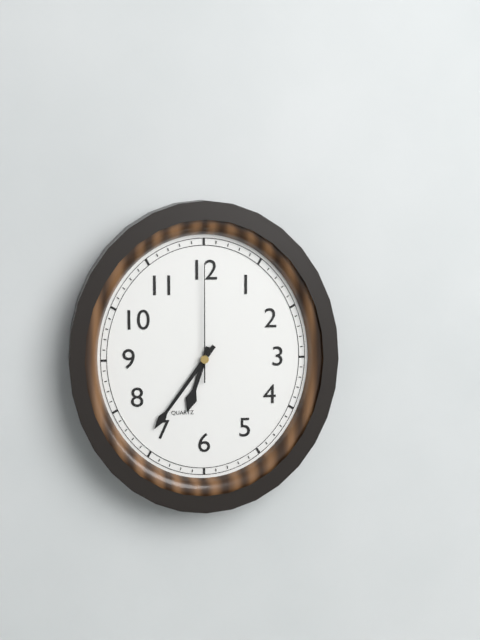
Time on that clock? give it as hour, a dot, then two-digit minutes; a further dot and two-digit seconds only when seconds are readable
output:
6.36.00
